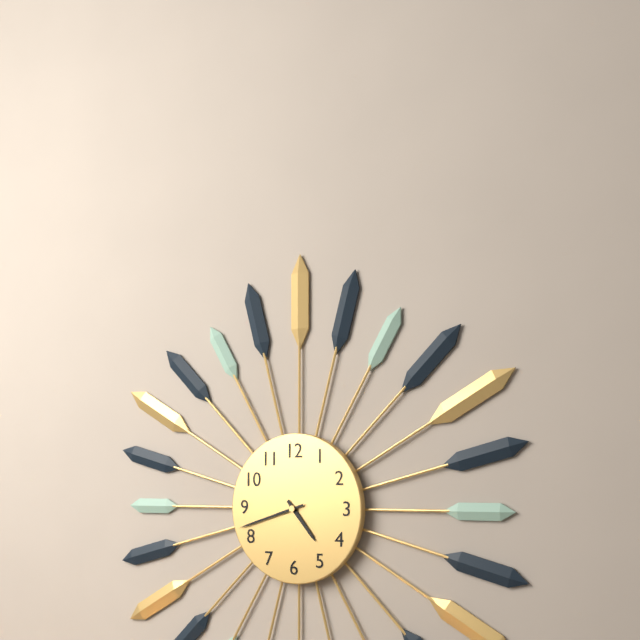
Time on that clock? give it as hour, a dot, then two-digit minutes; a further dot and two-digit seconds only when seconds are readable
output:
4.42
